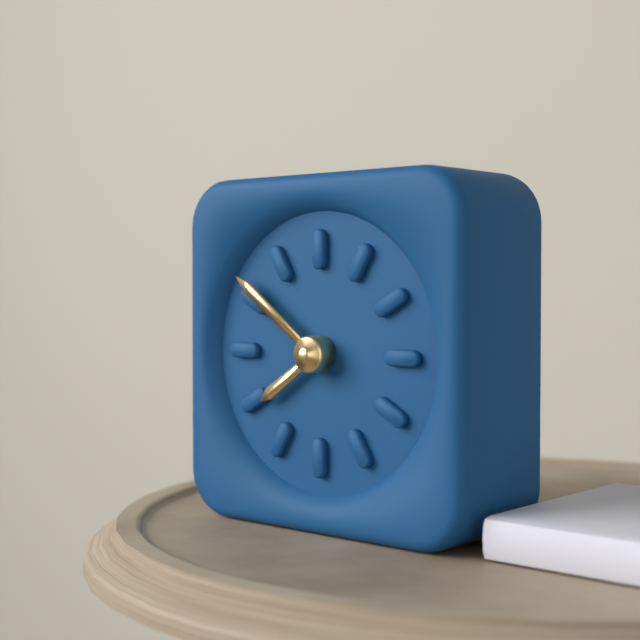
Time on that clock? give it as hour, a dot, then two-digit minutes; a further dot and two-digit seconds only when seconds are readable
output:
7.51
